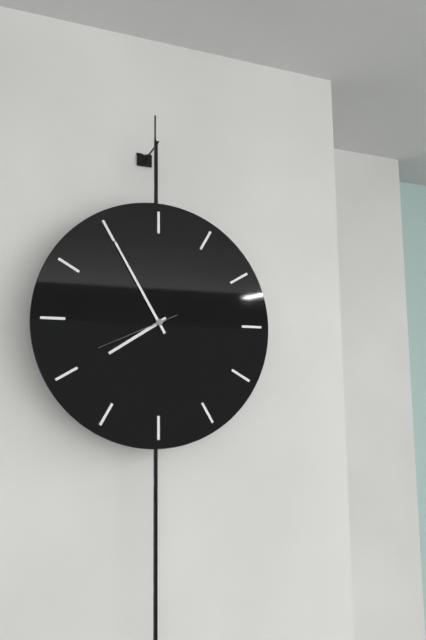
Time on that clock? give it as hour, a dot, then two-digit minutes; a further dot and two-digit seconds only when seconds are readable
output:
7.55.41
